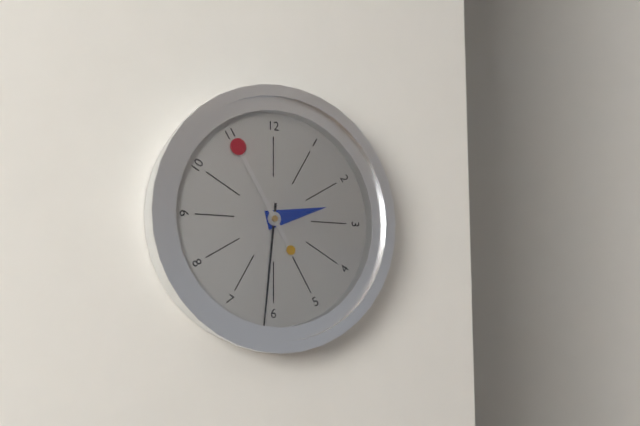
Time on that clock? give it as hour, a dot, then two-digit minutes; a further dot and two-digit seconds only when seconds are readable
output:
2.31.55
